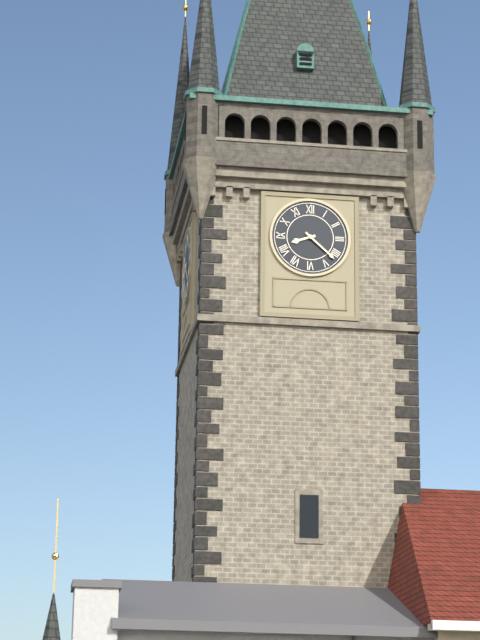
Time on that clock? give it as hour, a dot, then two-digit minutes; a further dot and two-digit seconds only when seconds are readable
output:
8.22
